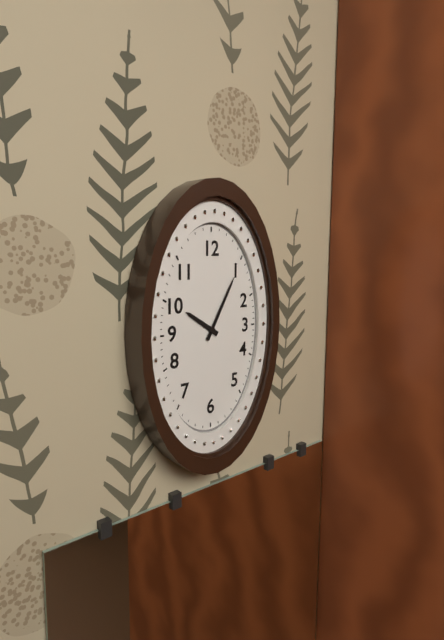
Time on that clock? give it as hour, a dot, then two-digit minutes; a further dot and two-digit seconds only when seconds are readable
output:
10.05
